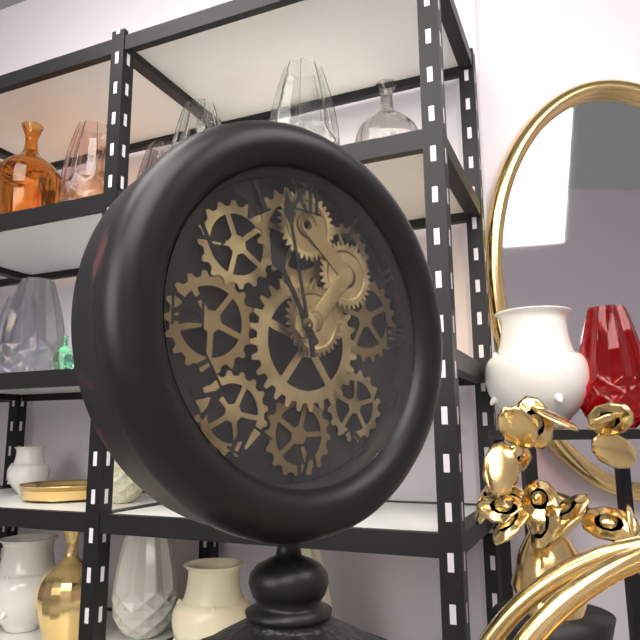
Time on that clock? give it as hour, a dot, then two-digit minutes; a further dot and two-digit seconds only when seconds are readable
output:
10.58
